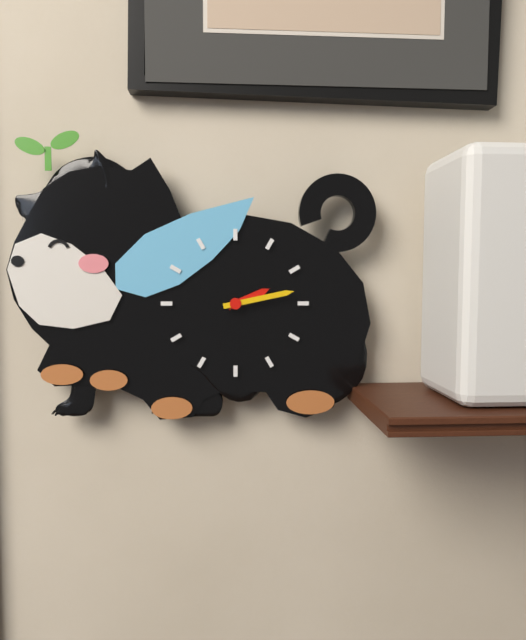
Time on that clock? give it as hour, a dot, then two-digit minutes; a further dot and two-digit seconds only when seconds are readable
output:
2.13
